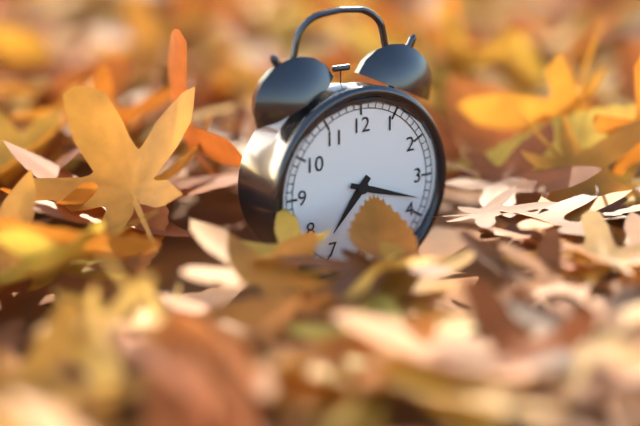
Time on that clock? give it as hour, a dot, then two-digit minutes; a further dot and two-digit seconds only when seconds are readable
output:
7.18
